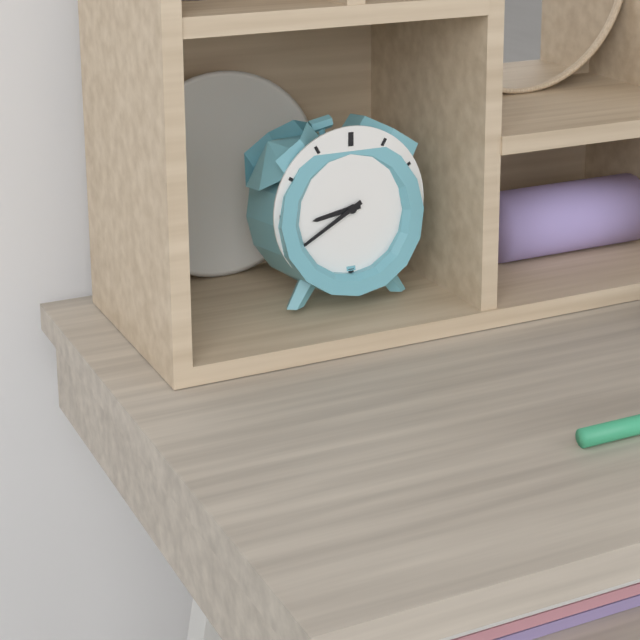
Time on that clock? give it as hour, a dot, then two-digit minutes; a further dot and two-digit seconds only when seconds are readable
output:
8.40
